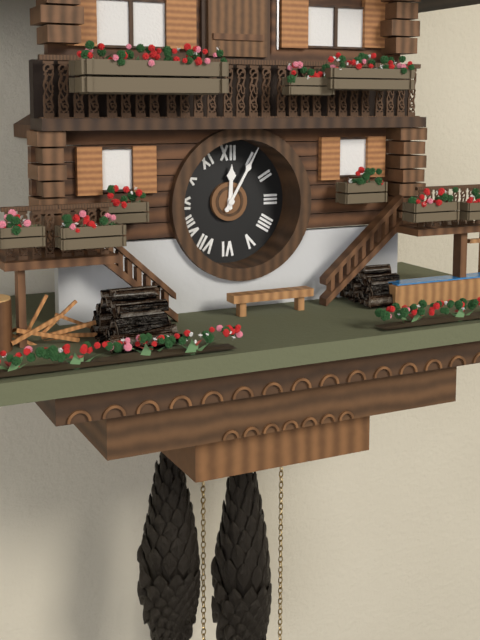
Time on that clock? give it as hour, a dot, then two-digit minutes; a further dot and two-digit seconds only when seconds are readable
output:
12.05
